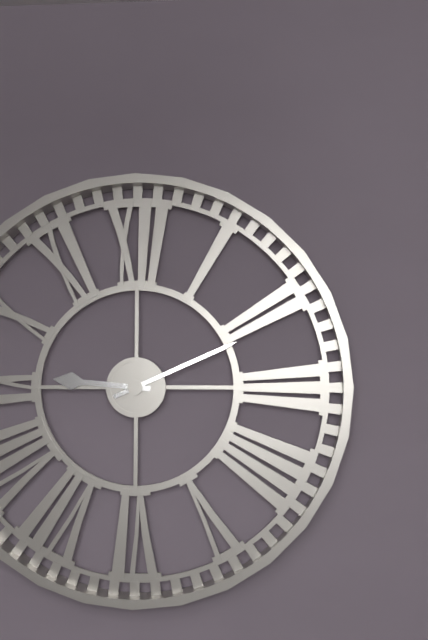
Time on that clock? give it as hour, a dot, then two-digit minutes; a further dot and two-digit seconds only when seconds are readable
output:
9.11
